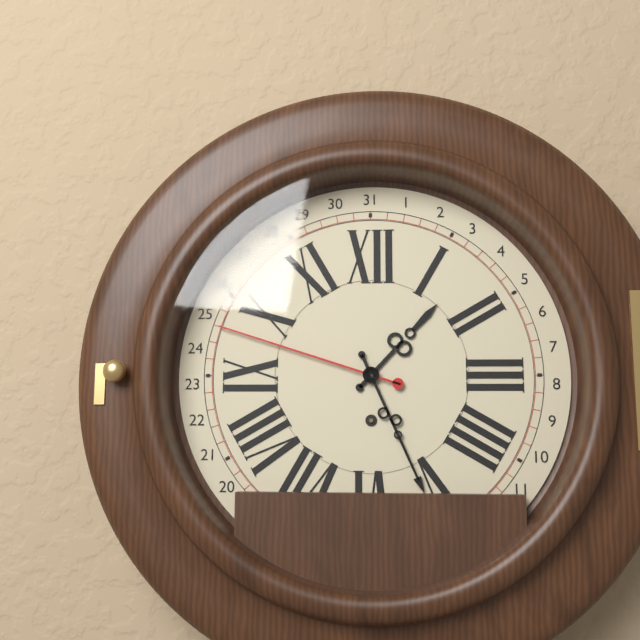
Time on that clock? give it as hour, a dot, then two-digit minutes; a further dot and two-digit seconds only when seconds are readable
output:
1.26.48
